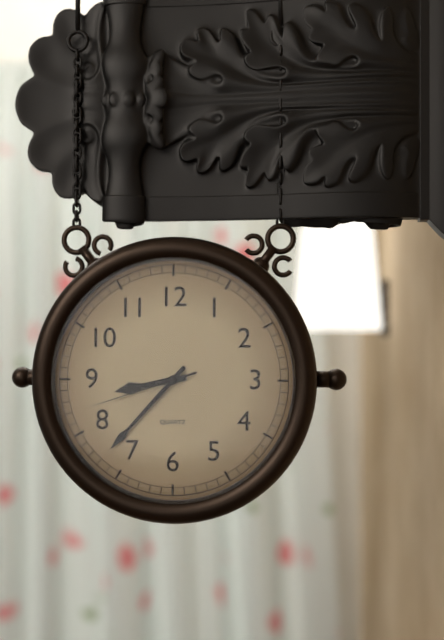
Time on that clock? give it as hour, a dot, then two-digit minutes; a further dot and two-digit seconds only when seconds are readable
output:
8.37.42
